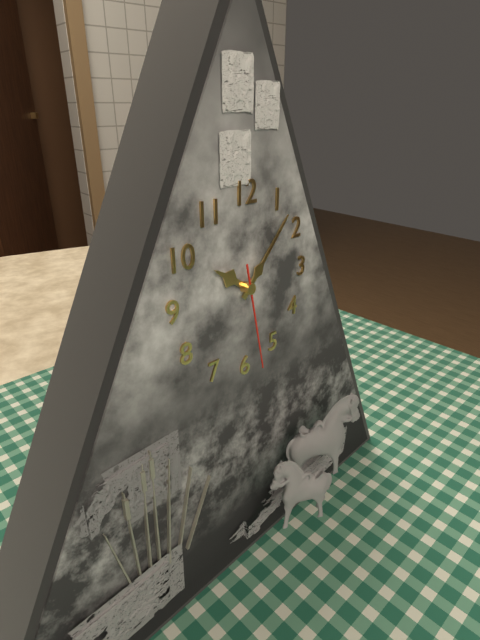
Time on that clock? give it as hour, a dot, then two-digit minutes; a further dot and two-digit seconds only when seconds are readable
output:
10.07.28
